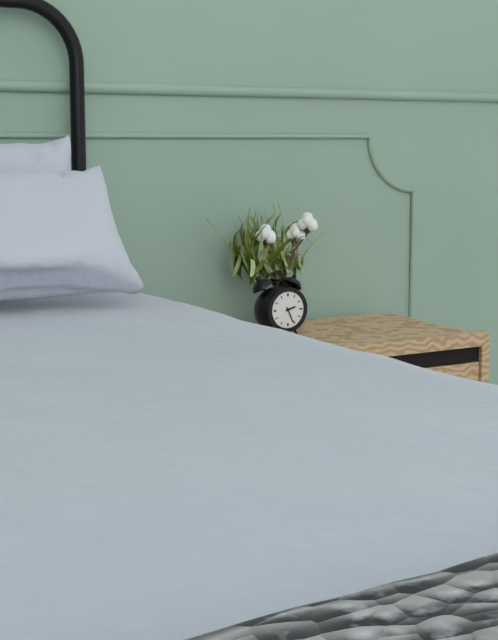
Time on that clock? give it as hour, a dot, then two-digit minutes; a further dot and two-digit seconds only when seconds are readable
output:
2.26
